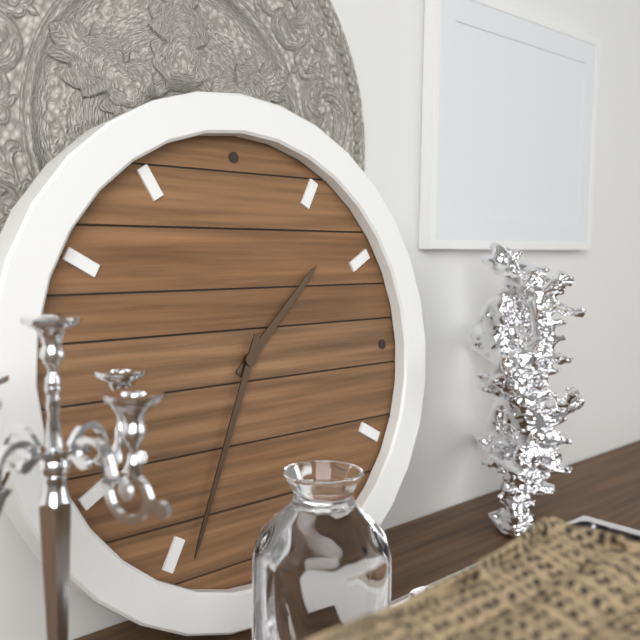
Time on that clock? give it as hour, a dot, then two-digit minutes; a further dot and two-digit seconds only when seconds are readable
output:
1.34
